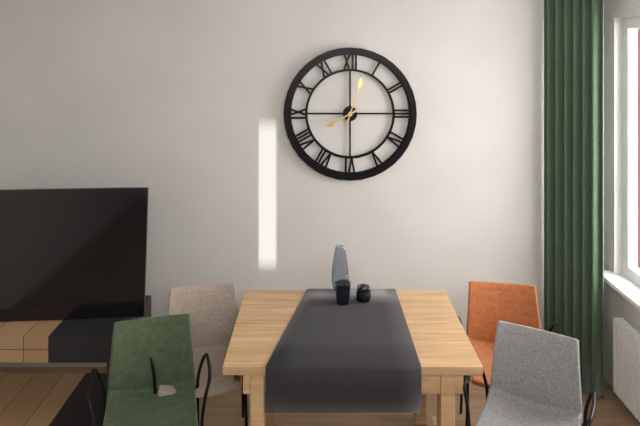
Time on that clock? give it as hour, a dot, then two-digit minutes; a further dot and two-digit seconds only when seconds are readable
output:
8.03
